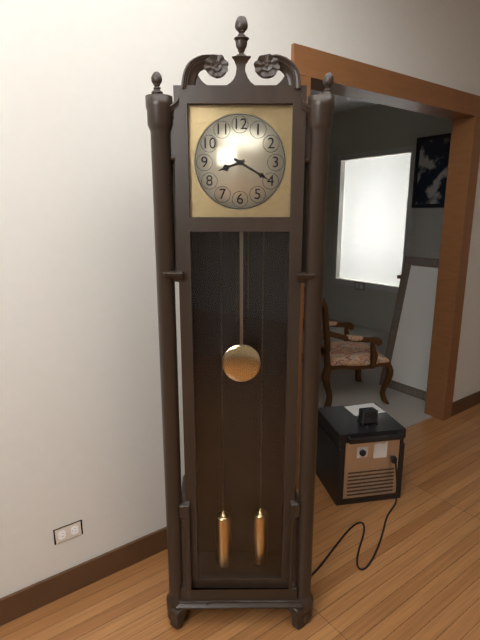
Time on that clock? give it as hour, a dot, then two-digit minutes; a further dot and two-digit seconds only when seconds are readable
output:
8.20
